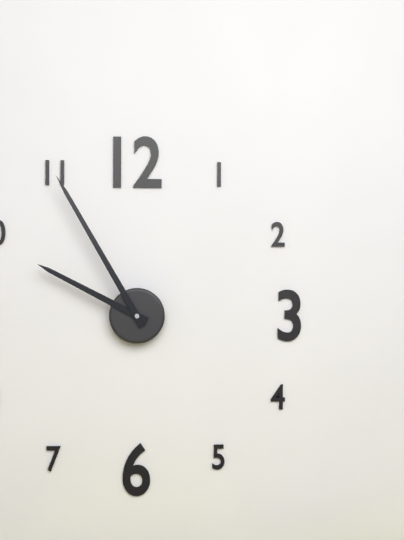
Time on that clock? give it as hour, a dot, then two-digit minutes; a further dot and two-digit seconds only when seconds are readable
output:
9.55
